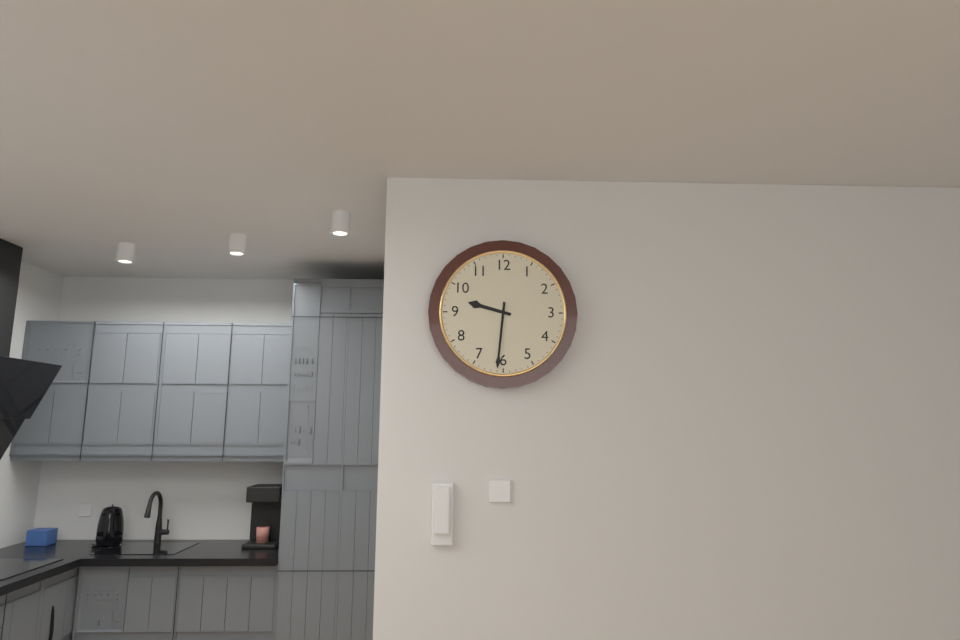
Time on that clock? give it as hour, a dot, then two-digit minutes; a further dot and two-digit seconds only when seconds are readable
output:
9.31
